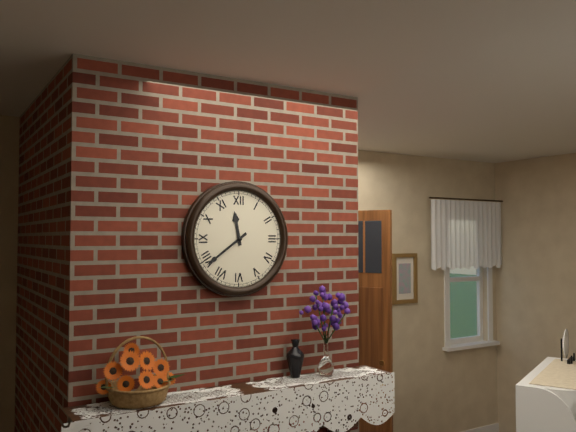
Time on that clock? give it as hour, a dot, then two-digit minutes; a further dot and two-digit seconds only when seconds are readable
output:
11.39
